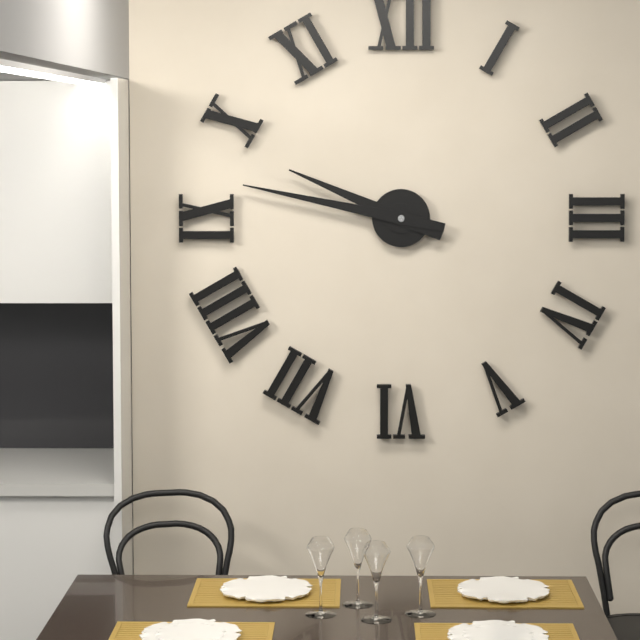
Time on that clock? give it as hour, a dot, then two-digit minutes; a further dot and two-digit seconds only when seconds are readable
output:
9.47
